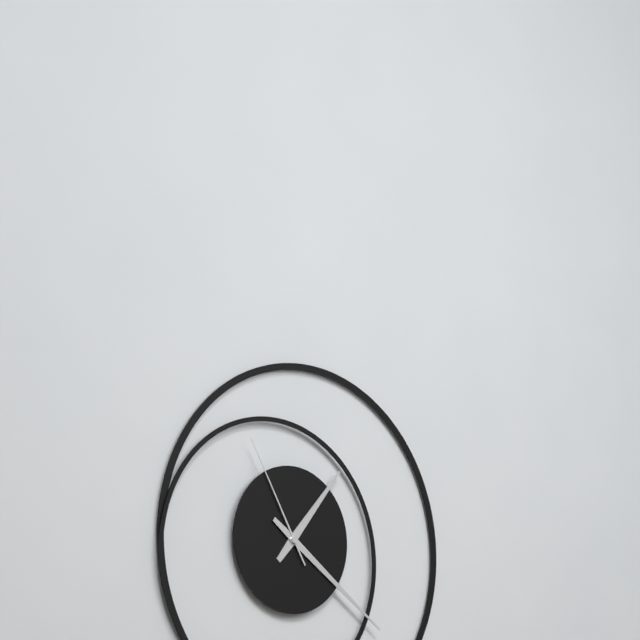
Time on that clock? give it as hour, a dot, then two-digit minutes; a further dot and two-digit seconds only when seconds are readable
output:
1.21.55
